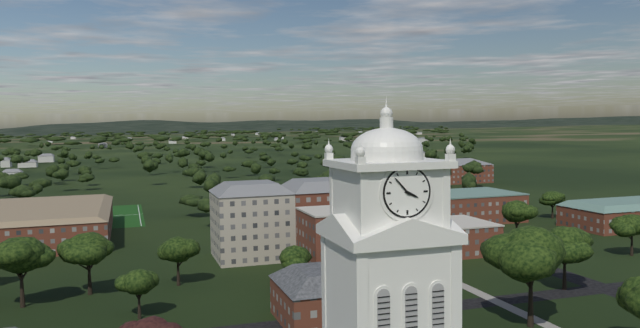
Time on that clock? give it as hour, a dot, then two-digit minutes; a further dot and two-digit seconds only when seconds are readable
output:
3.53
